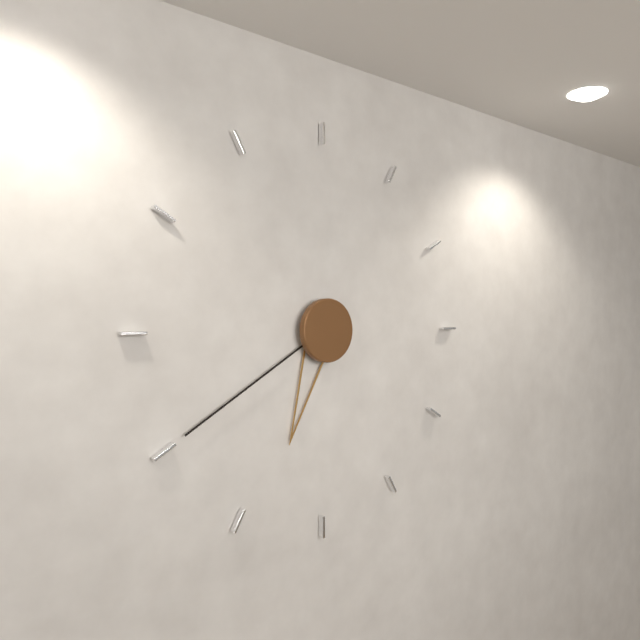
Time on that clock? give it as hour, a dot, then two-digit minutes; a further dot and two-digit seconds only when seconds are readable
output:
6.40
